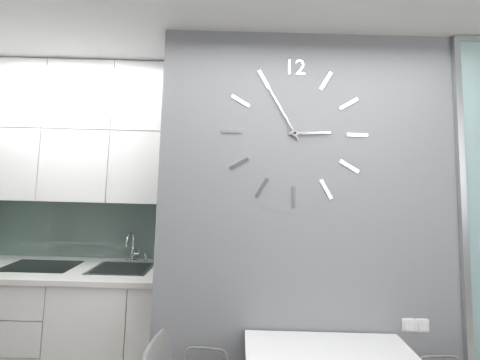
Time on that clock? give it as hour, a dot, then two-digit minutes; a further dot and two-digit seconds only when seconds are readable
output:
2.55
